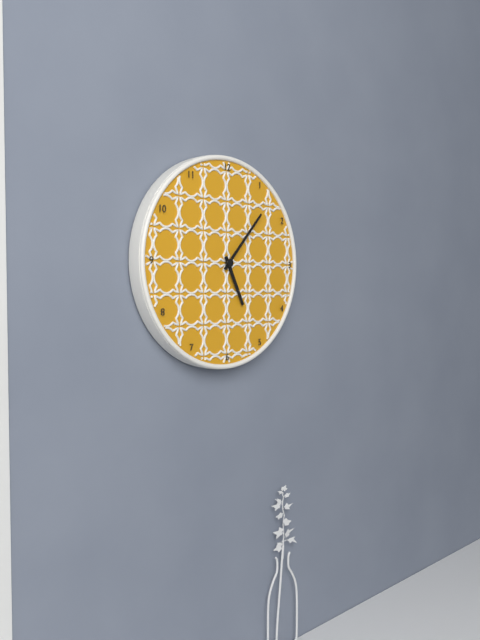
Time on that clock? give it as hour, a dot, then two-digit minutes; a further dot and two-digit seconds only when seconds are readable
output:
5.07
